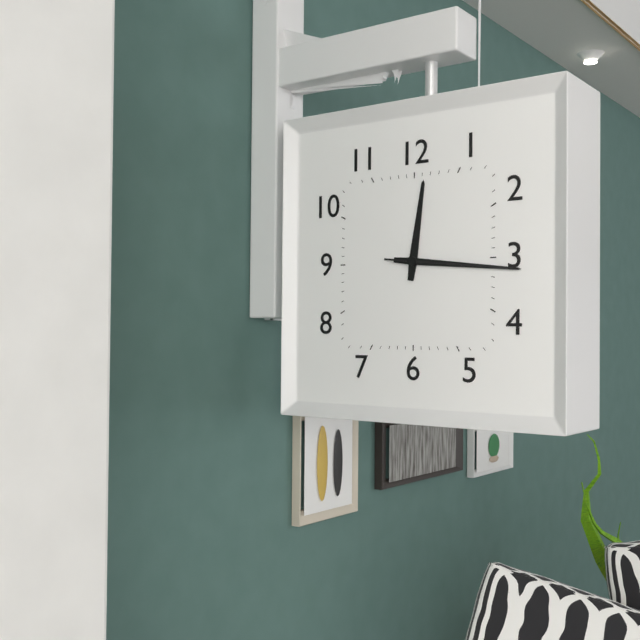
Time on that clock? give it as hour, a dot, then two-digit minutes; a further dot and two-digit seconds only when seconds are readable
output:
12.16.16
